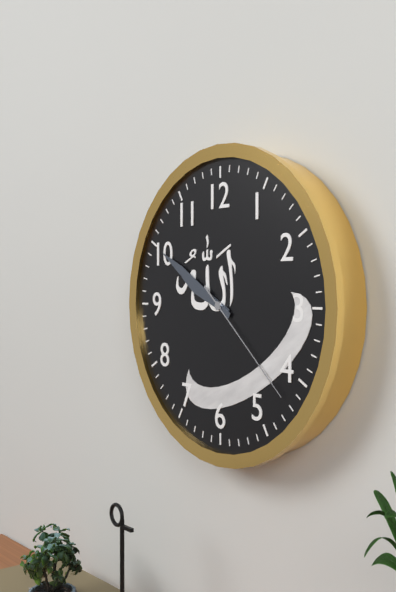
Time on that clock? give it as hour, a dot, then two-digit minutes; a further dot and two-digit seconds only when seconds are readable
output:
9.50.22
